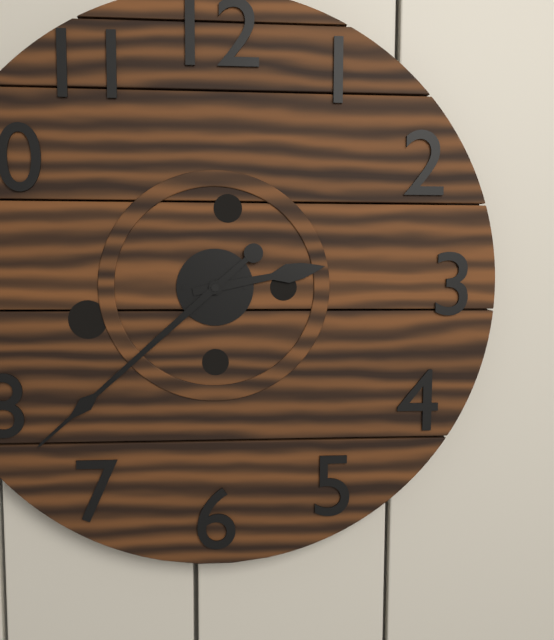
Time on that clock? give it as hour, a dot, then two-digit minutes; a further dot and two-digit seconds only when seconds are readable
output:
2.38
